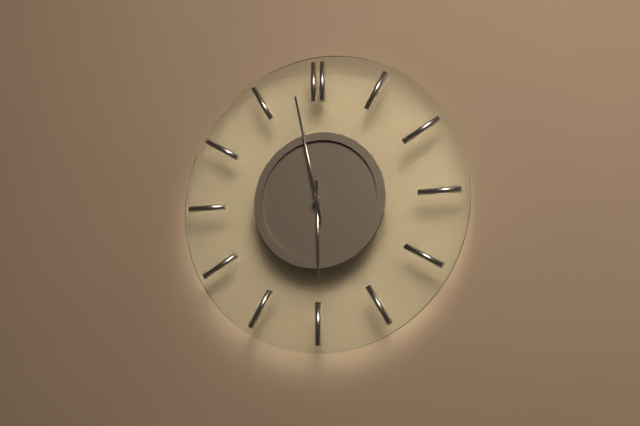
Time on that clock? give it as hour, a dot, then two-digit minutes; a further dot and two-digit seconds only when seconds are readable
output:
5.58
